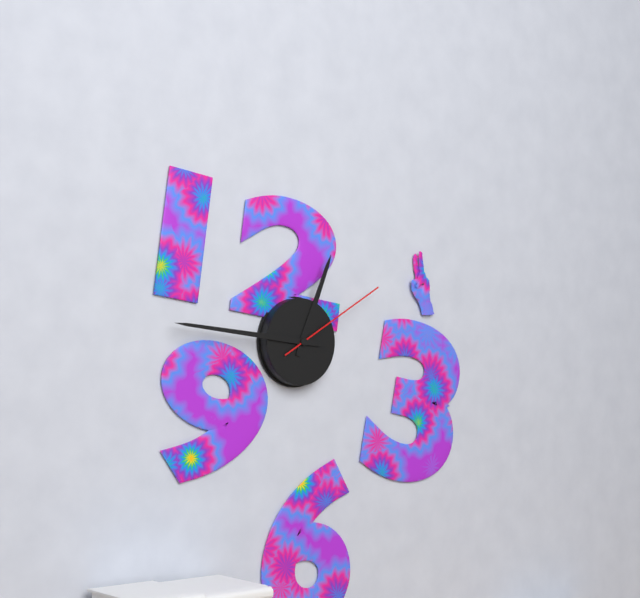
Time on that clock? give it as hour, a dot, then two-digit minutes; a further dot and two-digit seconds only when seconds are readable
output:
12.46.10
